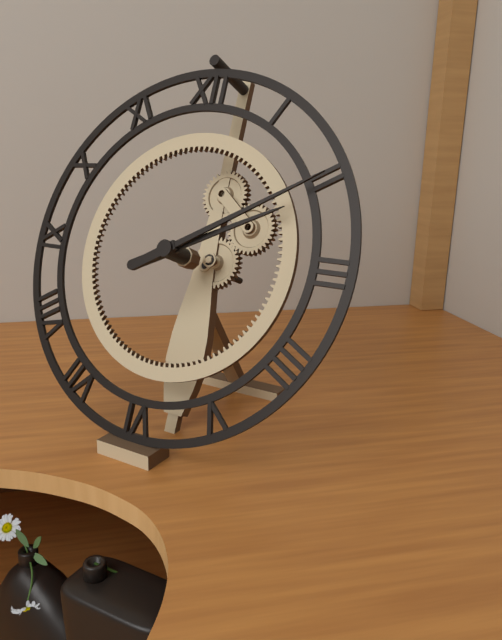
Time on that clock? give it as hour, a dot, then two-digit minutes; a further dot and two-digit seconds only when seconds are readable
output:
2.10
